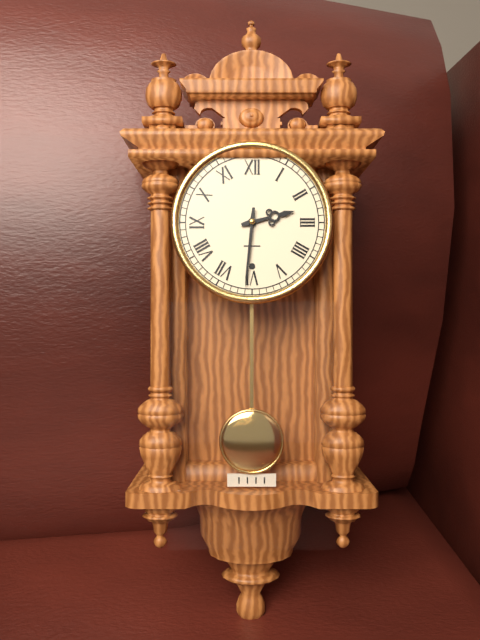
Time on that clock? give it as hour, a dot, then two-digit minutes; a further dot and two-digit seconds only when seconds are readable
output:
2.31
